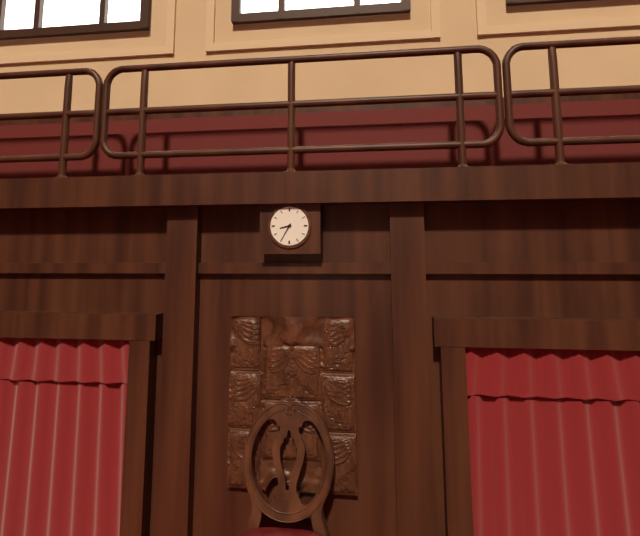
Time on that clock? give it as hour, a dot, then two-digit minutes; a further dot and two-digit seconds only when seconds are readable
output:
8.35
